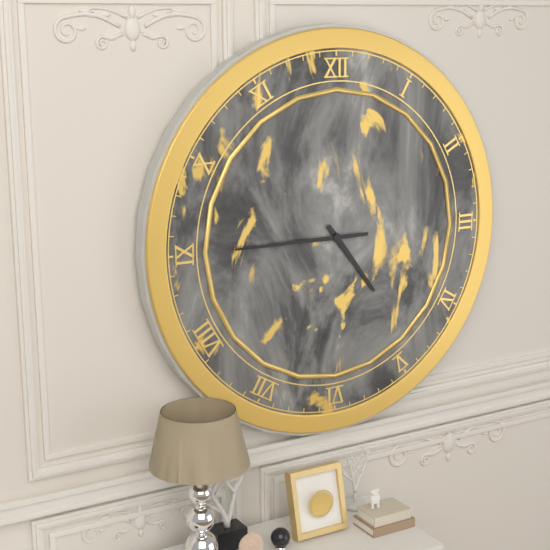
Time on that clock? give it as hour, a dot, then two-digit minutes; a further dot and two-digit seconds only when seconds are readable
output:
4.45
